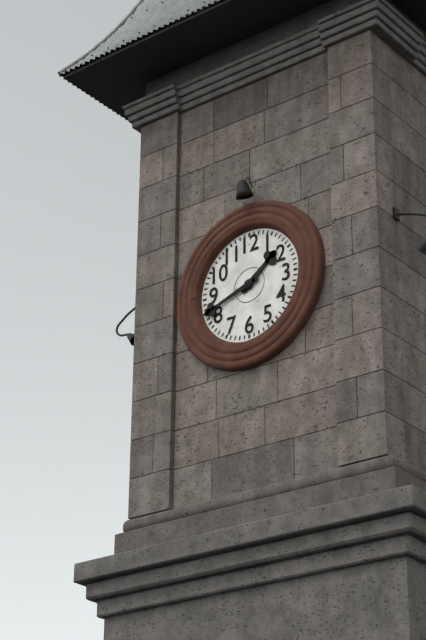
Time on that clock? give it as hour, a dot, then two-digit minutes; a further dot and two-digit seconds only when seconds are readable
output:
1.42
